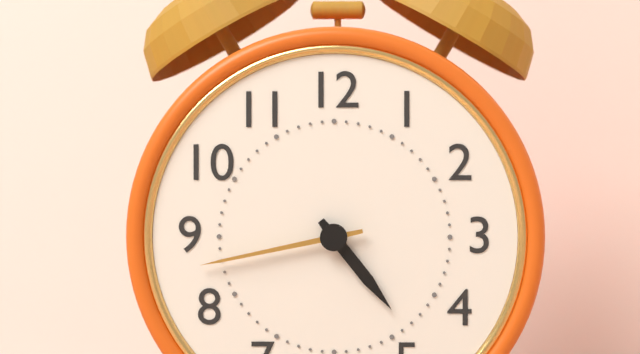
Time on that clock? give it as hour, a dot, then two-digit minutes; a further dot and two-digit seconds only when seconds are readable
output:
4.43
